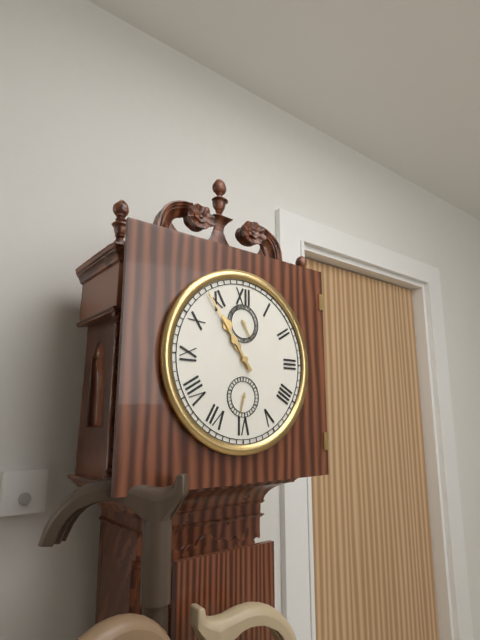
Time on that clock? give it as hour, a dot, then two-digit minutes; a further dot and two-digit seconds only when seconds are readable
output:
10.54
